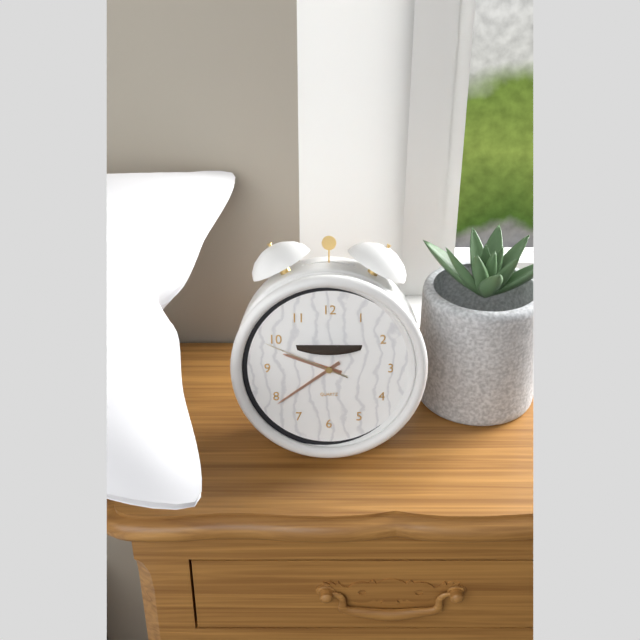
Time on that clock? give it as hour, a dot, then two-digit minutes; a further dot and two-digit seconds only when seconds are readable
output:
9.39.49
